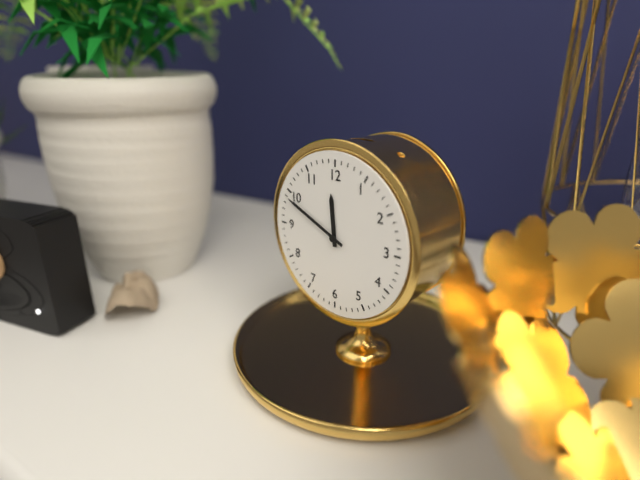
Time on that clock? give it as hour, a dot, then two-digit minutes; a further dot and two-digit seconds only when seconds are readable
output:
11.49
